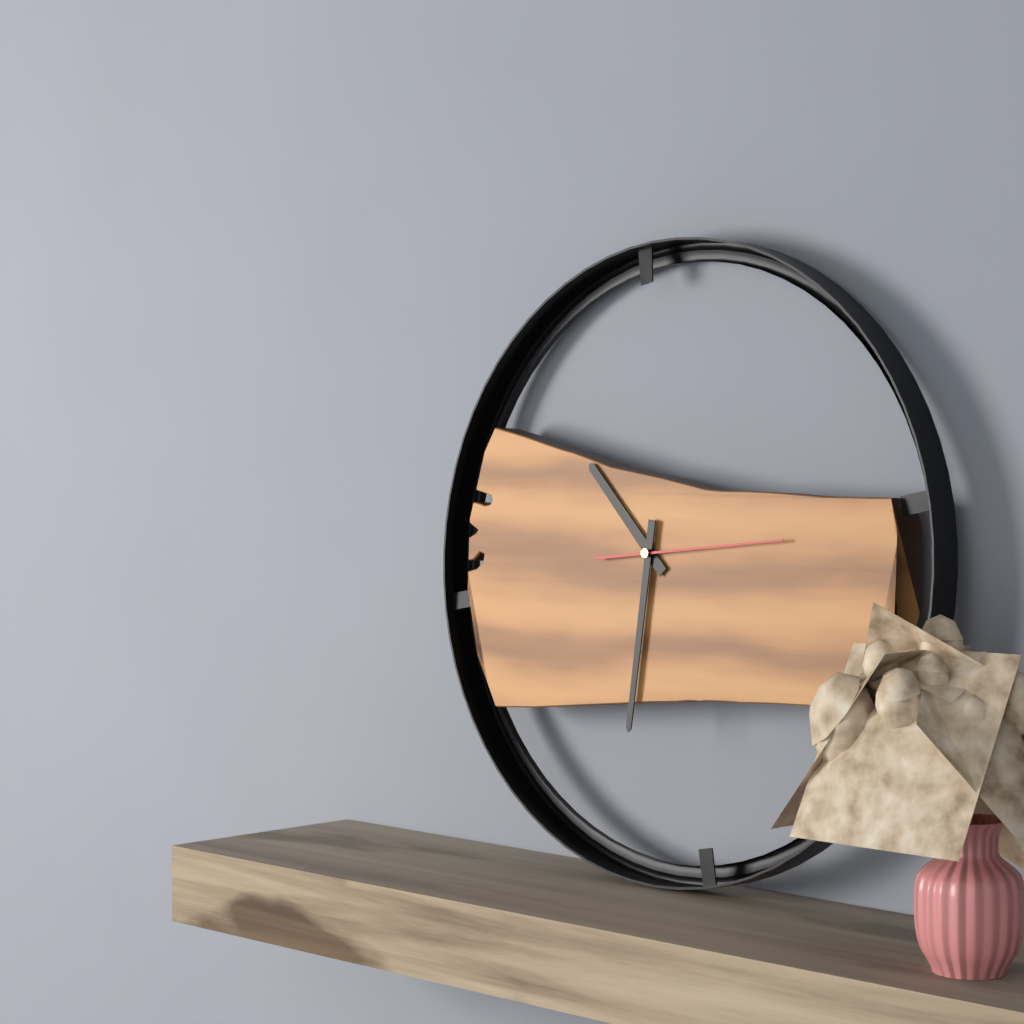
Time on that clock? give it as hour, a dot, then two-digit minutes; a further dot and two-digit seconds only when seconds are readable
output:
10.31.14
